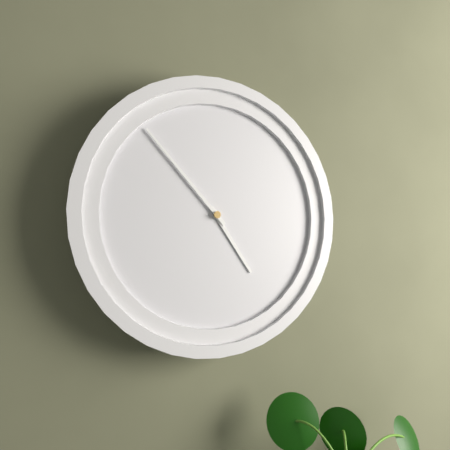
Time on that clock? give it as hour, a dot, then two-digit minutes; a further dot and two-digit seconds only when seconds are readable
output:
4.53
